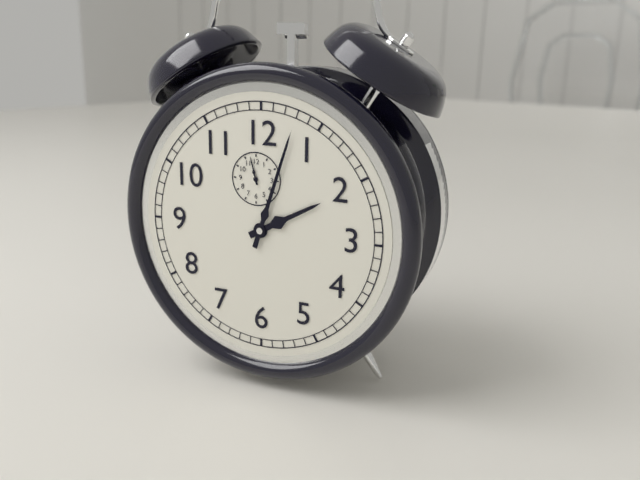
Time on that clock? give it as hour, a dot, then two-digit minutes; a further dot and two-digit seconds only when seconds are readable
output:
2.03
